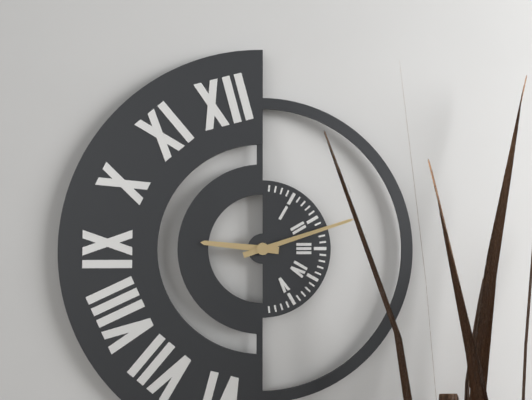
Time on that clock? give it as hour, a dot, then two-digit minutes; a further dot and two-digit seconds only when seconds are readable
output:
9.12
